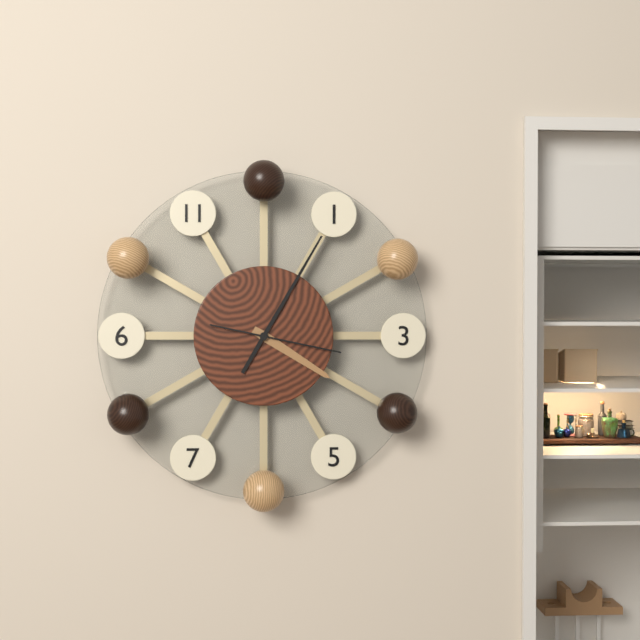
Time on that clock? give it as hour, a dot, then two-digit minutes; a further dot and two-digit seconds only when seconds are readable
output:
4.05.17
